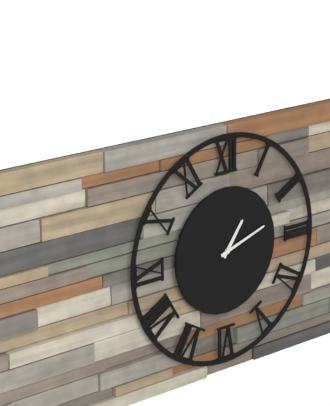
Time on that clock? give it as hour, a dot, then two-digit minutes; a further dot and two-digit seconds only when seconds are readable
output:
1.12
